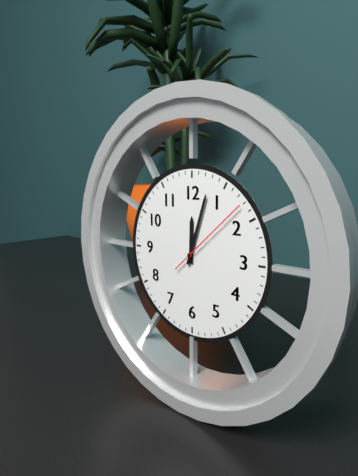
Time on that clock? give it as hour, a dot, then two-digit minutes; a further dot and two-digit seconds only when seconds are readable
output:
12.03.08
